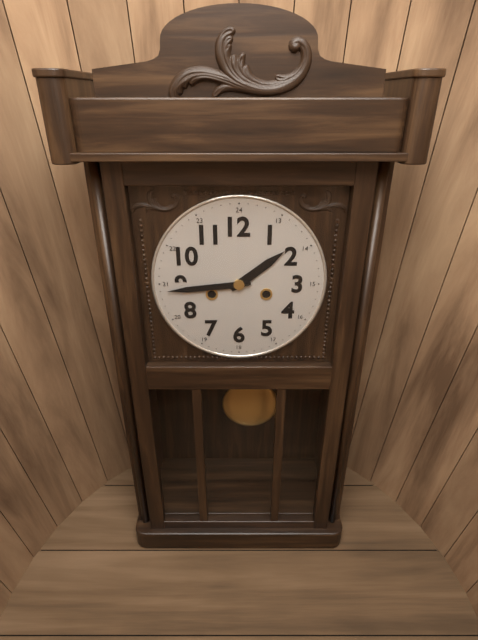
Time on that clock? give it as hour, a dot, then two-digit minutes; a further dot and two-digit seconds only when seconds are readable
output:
1.44
